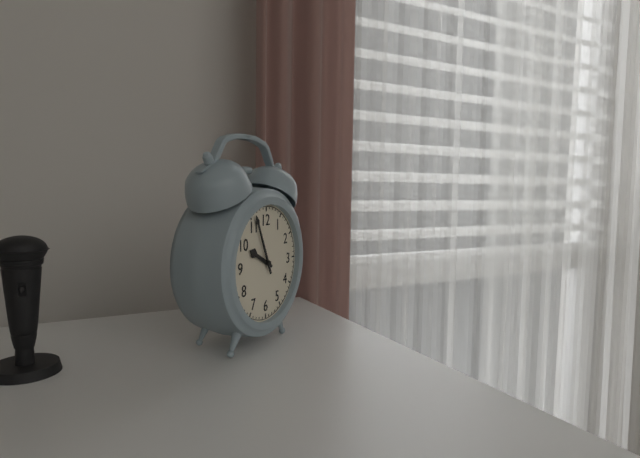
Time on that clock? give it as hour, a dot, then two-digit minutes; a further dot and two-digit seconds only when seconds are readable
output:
9.56
